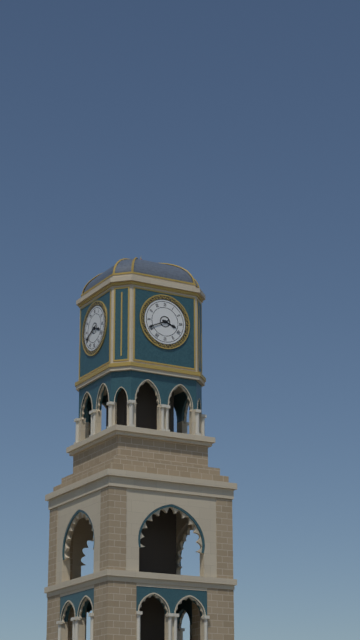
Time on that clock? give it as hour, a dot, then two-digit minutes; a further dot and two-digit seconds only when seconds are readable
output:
3.41
